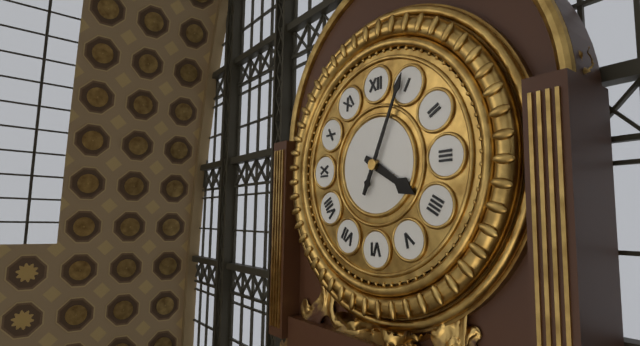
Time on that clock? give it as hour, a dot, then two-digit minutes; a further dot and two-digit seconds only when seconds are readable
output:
4.04
